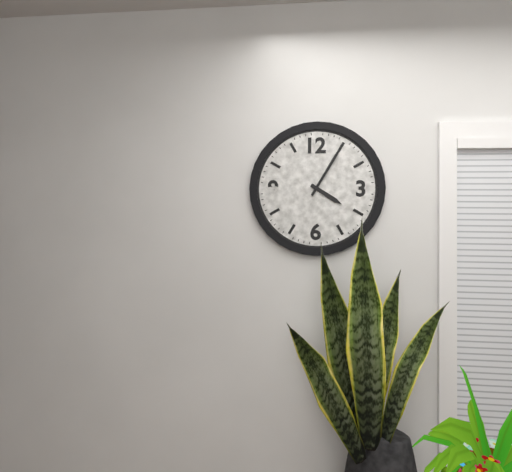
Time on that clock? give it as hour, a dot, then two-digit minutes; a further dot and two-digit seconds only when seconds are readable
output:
4.05
